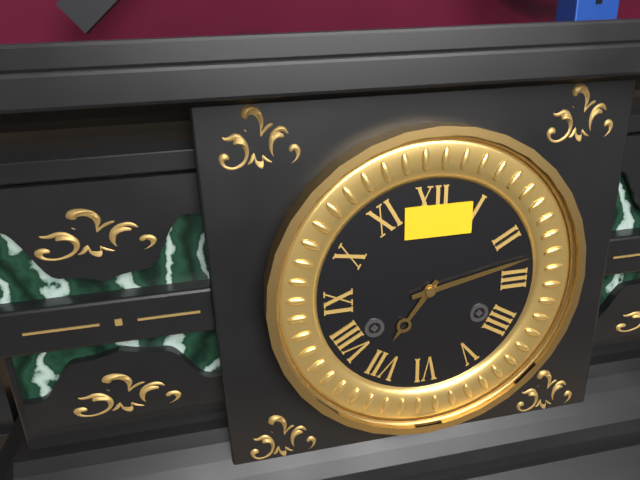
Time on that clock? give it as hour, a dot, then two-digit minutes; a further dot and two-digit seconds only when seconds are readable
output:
7.13
